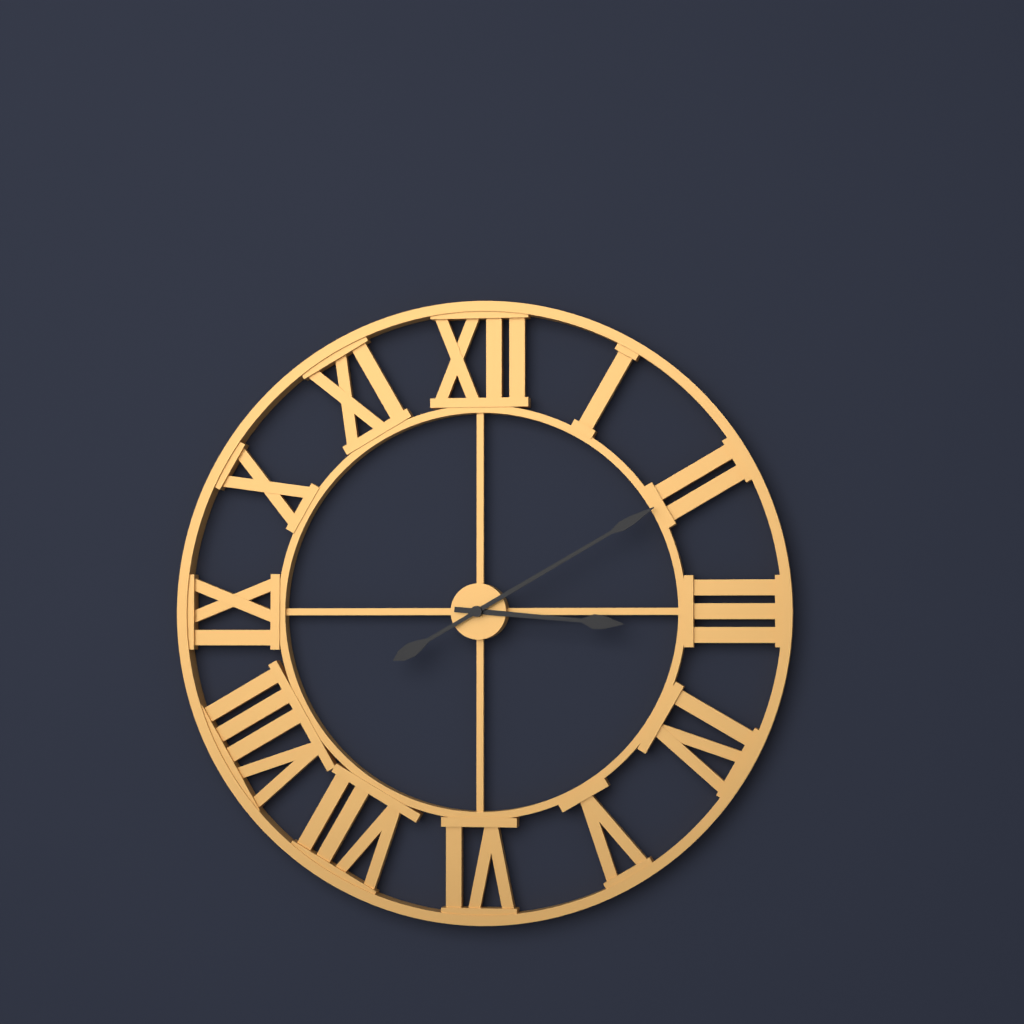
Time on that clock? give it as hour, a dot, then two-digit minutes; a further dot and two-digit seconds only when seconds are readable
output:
3.10
